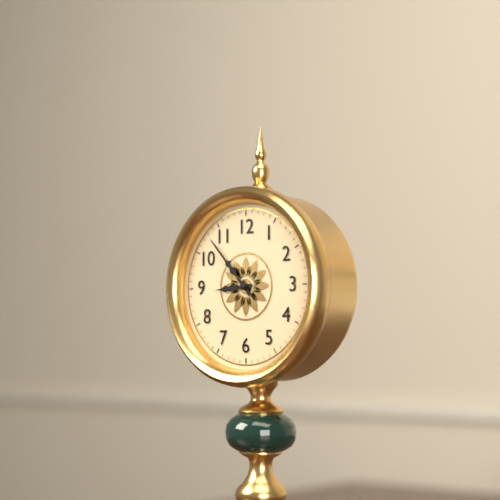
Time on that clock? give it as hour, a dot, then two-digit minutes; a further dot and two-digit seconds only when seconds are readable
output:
8.53
